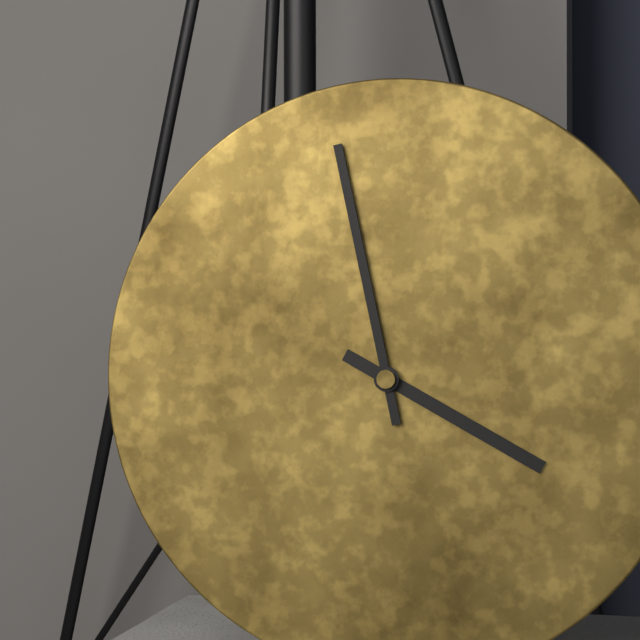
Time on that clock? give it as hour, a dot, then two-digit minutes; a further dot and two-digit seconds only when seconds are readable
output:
3.58
